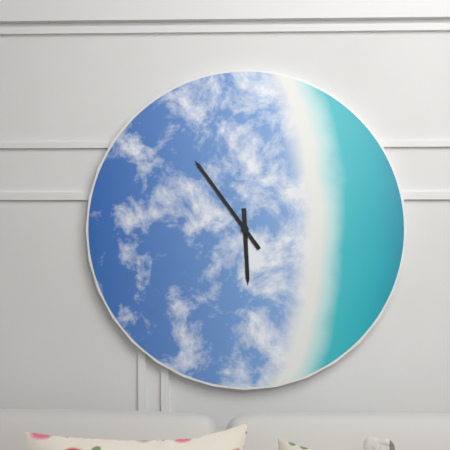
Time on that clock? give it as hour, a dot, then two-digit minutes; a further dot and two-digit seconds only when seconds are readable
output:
5.54
